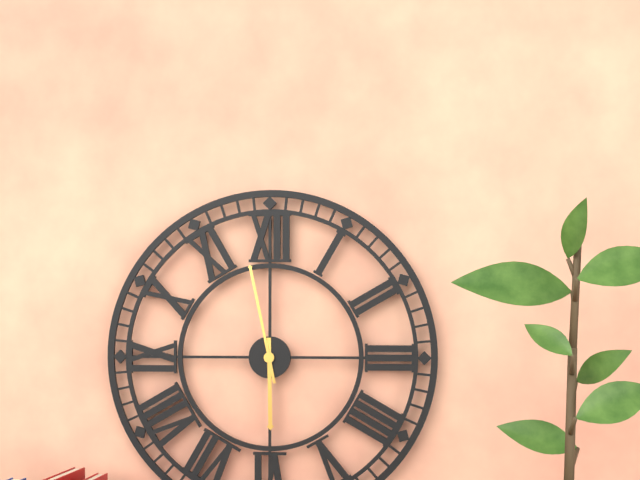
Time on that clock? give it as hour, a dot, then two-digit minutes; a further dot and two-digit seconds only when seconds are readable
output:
5.58
